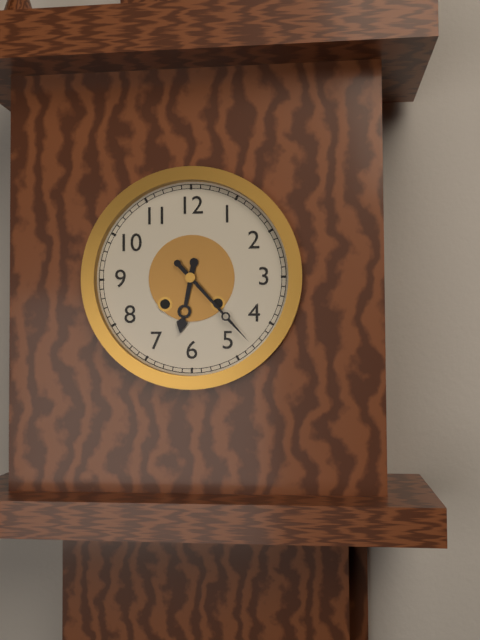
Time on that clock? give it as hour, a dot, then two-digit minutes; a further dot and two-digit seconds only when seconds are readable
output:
6.23
